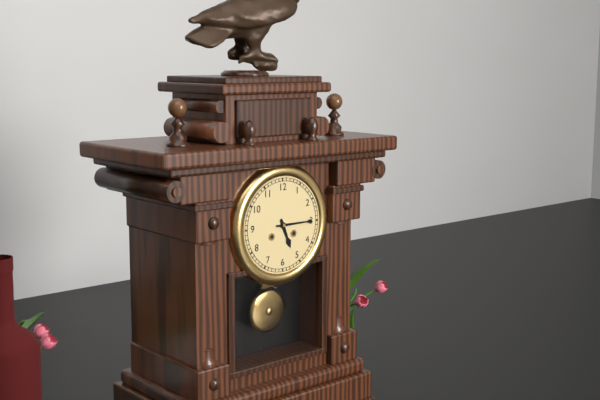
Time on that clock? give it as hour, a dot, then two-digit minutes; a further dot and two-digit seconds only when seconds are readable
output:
5.15
